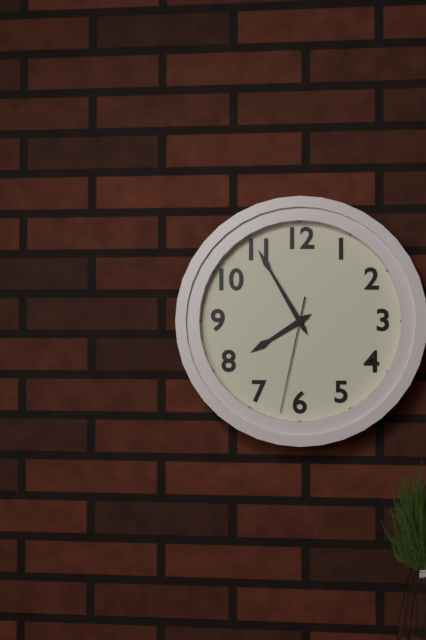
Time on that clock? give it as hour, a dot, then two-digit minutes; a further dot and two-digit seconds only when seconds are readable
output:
7.55.32
